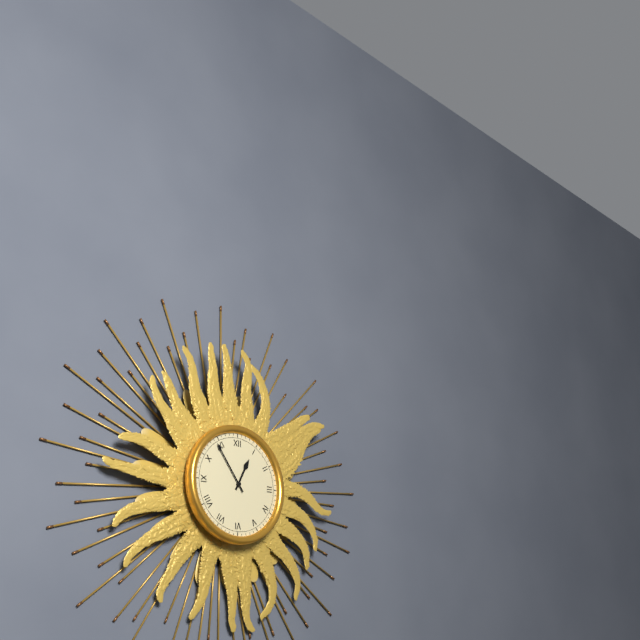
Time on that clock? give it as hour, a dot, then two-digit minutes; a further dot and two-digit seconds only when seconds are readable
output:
12.54
